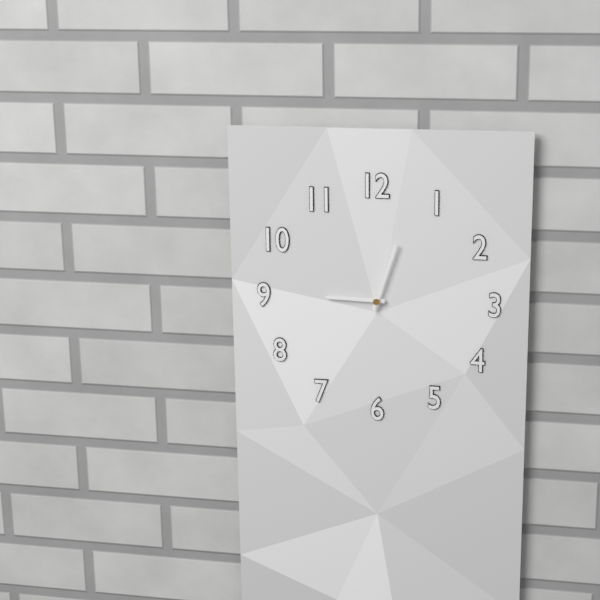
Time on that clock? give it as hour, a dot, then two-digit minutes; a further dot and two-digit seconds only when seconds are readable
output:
9.03
